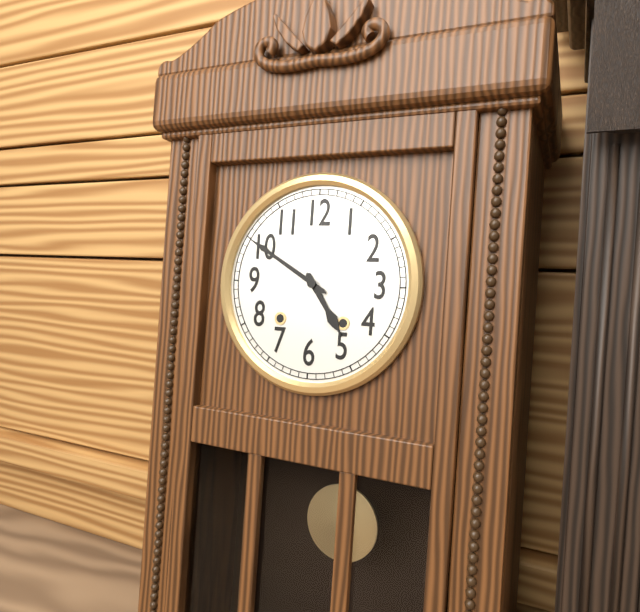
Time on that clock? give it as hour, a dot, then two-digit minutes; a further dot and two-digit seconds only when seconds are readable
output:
4.50
